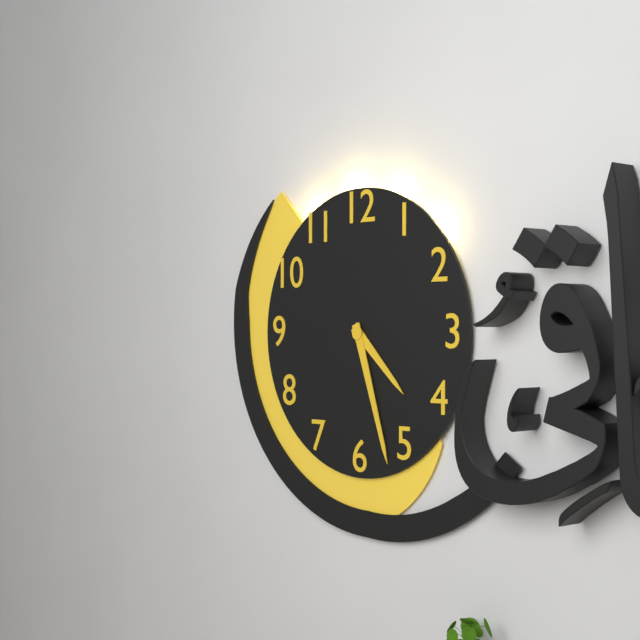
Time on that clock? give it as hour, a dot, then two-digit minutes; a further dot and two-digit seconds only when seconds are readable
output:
4.27
